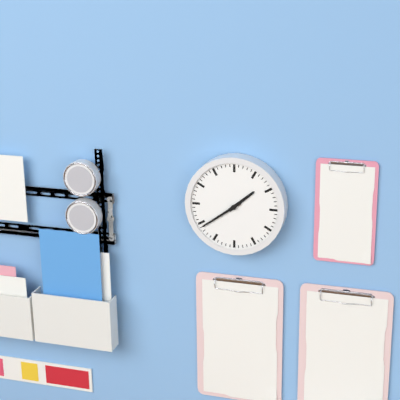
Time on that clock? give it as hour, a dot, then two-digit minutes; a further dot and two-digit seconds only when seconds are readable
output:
1.39
